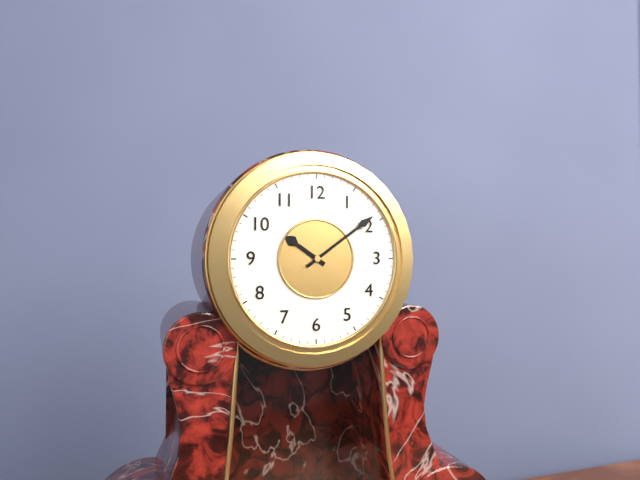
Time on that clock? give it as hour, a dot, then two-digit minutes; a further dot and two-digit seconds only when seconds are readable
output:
10.09
